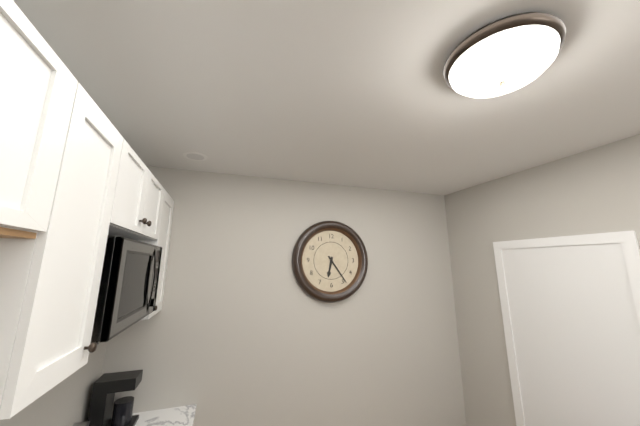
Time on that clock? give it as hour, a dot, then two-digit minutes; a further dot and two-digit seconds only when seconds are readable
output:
6.24
